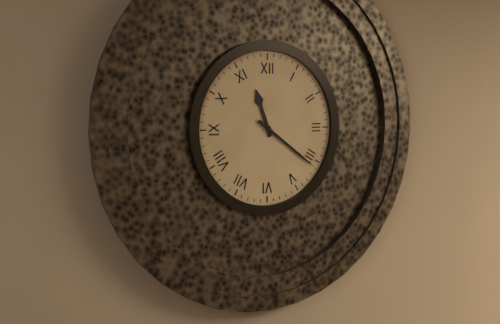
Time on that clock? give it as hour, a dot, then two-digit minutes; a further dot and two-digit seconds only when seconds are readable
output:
11.21
